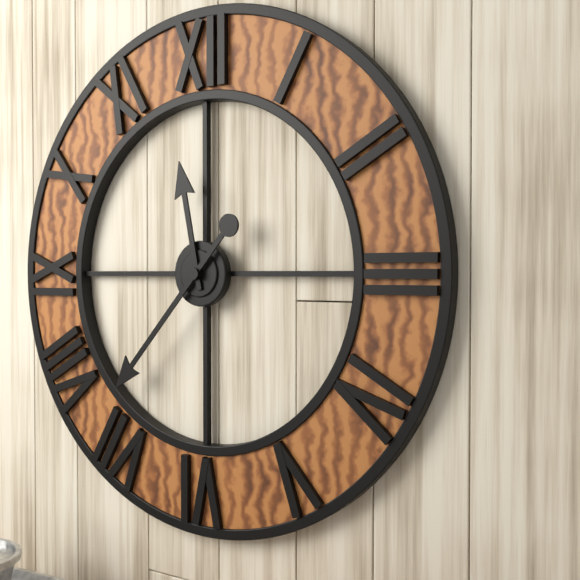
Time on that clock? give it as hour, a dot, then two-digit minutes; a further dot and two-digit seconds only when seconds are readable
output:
11.37
